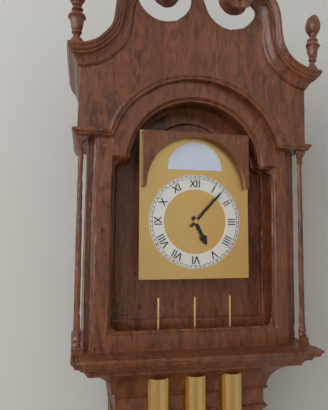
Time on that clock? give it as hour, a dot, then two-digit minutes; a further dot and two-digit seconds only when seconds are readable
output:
5.07
